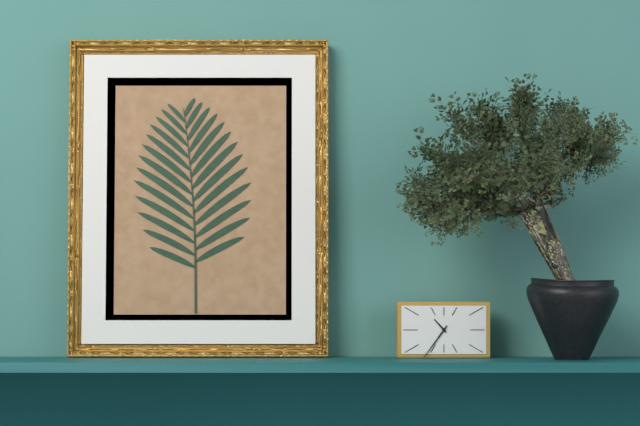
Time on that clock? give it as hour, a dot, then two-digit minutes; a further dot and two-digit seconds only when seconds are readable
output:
10.36
